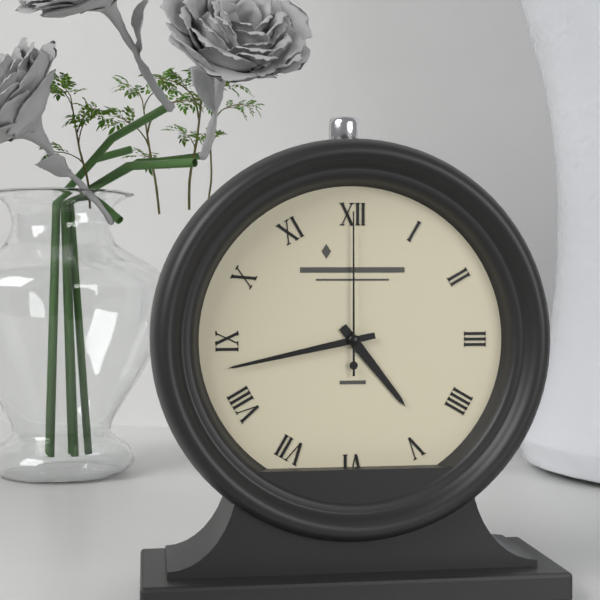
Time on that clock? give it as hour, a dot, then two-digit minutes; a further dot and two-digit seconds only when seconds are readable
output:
4.43.00
